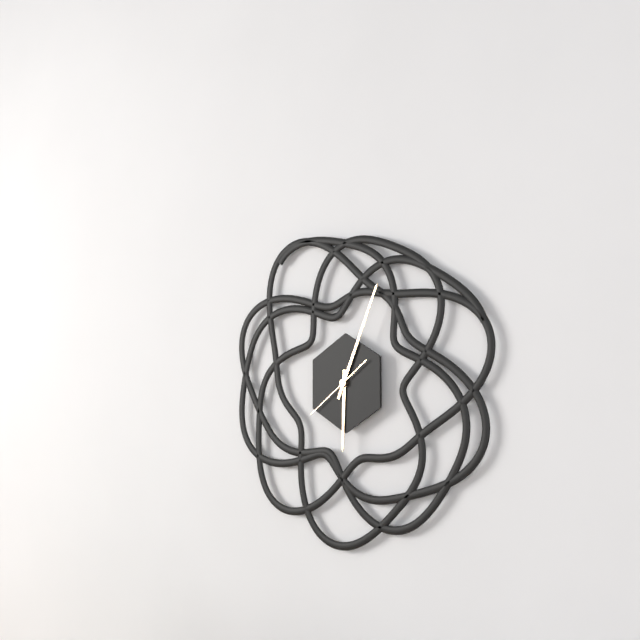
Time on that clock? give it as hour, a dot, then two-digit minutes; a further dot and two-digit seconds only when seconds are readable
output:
6.04.39
